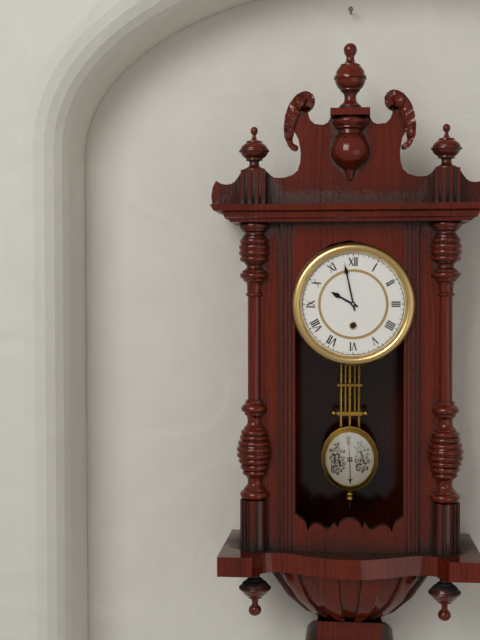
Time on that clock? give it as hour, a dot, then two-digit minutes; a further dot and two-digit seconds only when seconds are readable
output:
9.58
